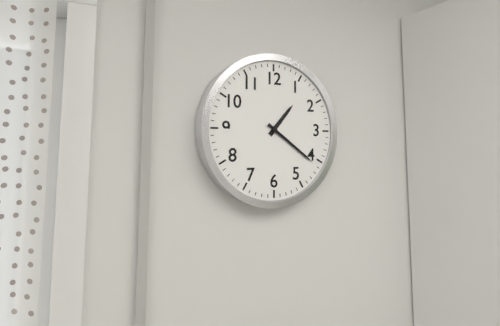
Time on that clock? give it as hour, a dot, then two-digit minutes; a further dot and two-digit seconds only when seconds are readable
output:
1.21
